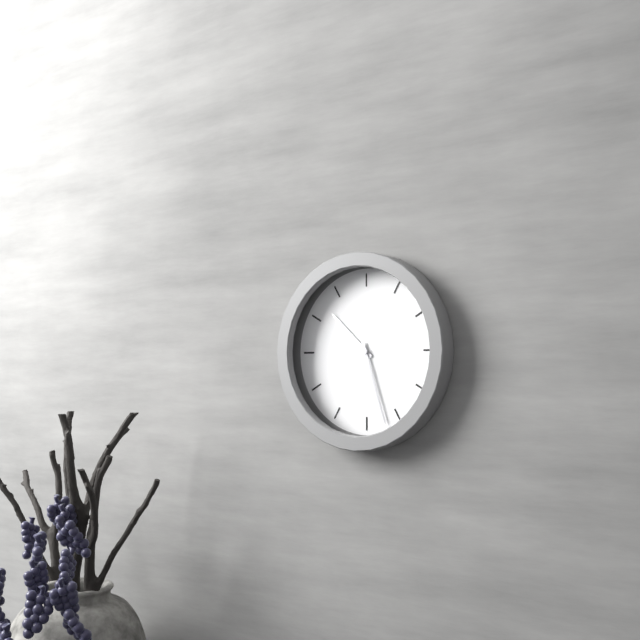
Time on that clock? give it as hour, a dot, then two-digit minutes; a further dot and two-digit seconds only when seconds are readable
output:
10.27
